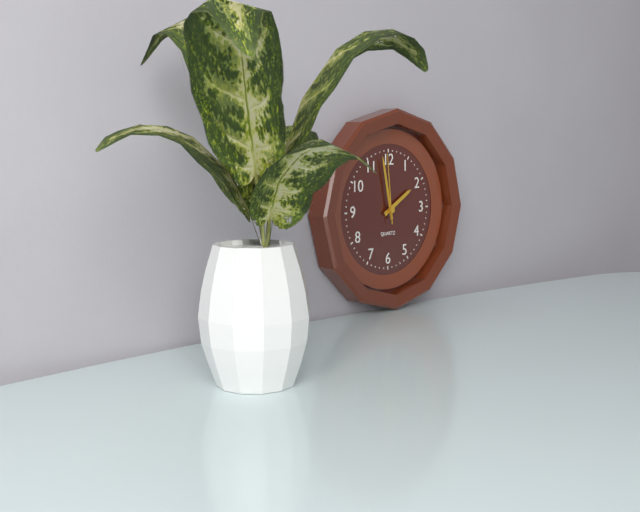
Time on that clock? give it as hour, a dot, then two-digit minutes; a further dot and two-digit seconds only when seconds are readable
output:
1.58.59
